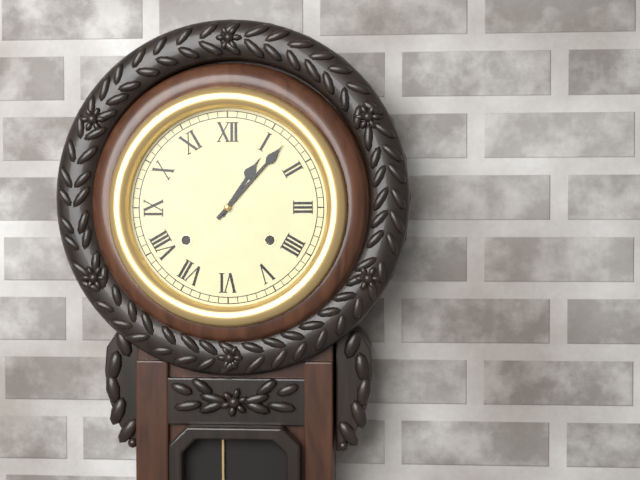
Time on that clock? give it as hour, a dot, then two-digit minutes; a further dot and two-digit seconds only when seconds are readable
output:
1.07
